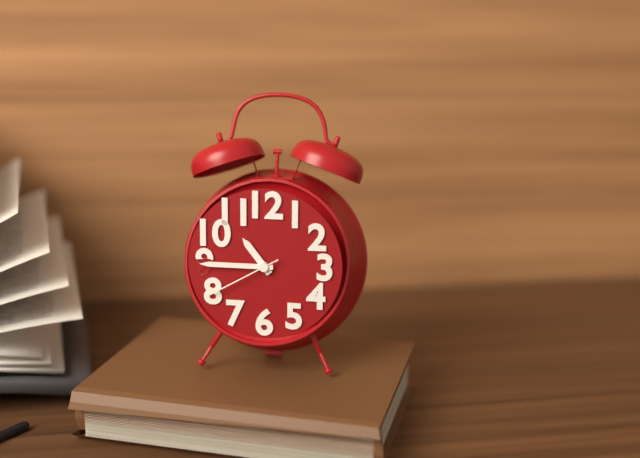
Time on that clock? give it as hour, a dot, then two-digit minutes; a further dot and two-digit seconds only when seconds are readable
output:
10.45.40
